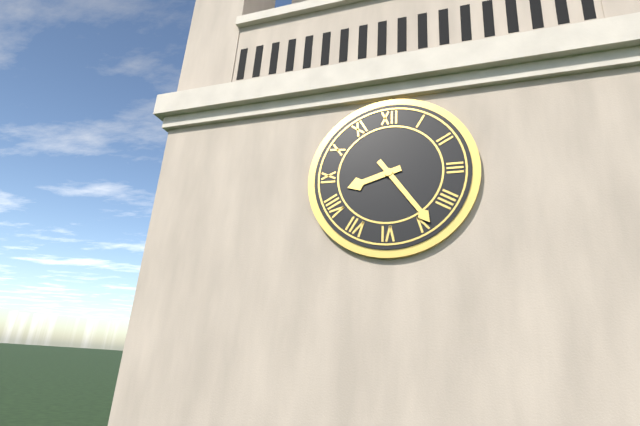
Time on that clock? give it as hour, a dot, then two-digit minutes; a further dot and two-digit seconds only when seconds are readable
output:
8.24
